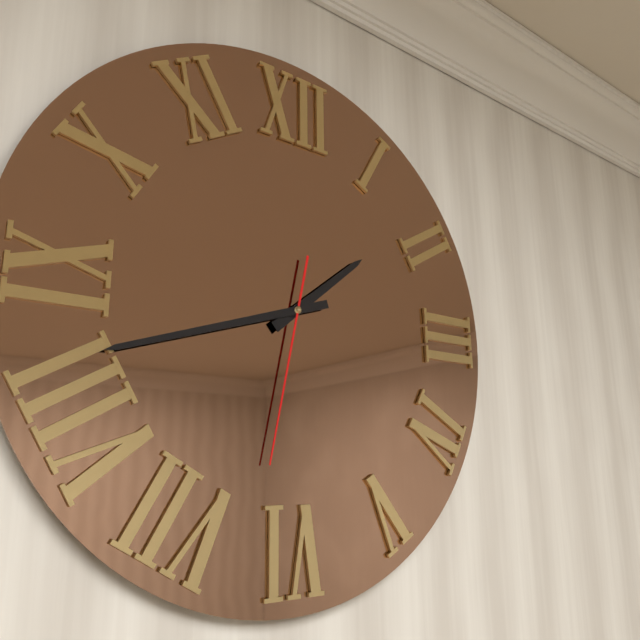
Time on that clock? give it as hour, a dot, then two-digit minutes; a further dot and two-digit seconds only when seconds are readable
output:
1.42.32
